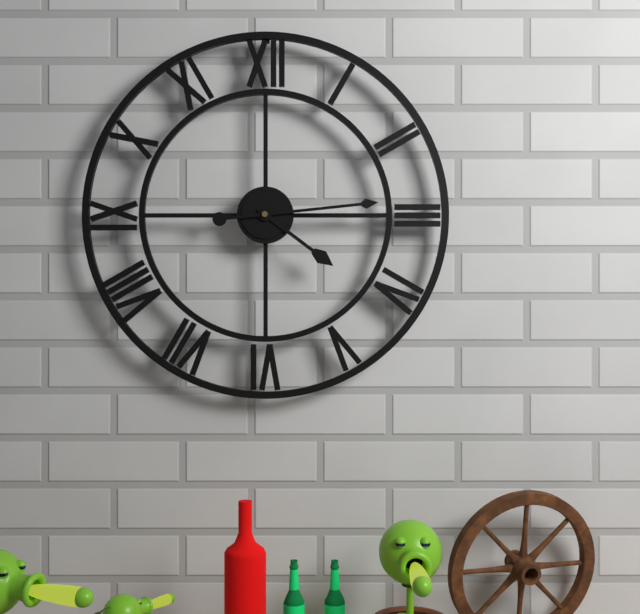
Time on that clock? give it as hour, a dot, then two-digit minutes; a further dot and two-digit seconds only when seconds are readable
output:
4.14
